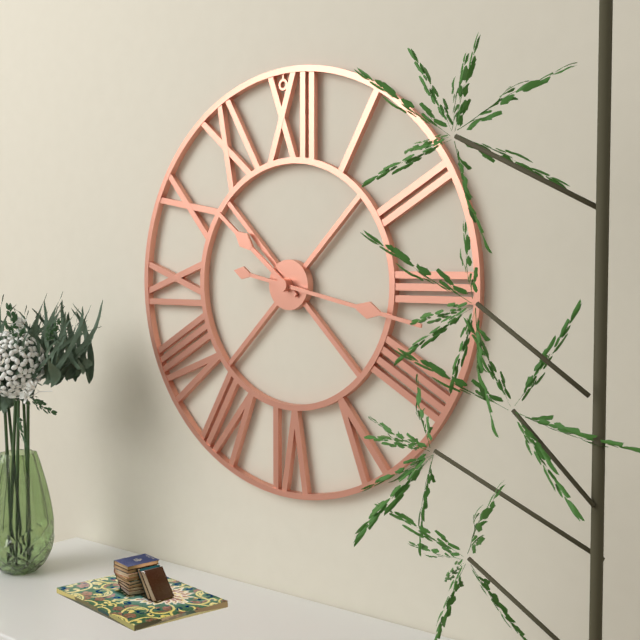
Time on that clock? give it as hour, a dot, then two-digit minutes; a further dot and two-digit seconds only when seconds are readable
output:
10.17
